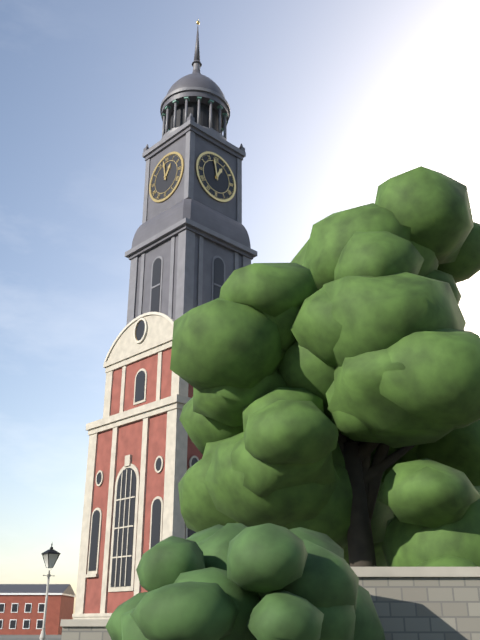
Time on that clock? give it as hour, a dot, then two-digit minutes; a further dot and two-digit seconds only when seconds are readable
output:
12.58
